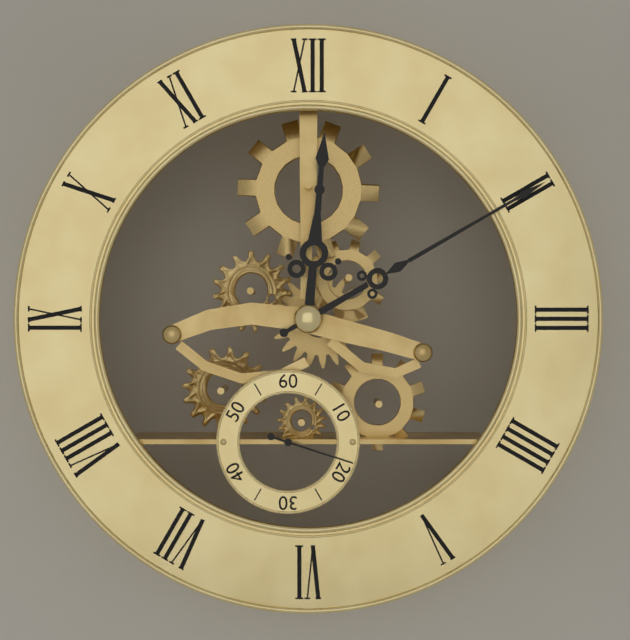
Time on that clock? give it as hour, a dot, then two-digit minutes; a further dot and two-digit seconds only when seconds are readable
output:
12.10.18
